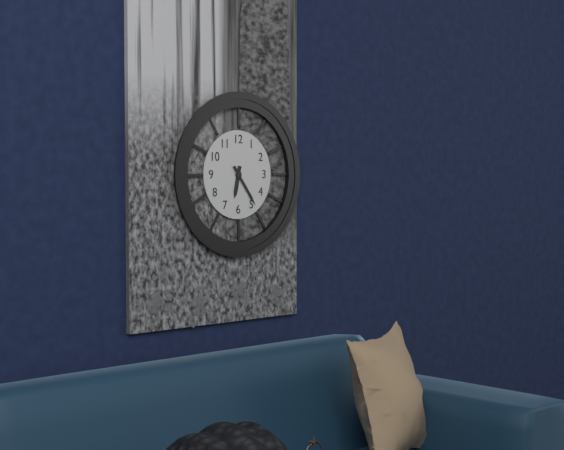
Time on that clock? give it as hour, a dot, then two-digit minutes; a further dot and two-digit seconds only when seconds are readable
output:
6.24
